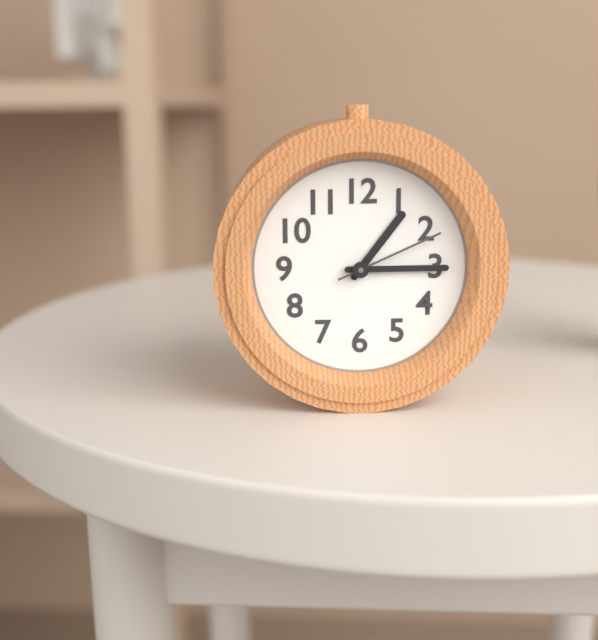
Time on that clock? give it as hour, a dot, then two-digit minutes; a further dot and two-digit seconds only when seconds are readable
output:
1.15.11
